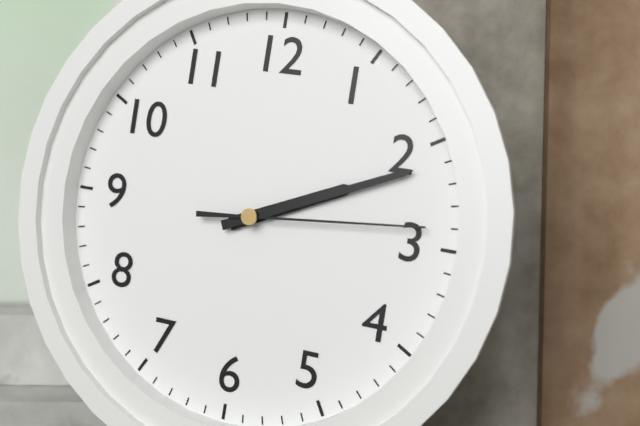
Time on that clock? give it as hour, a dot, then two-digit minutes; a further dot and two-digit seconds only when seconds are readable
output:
2.11.14
